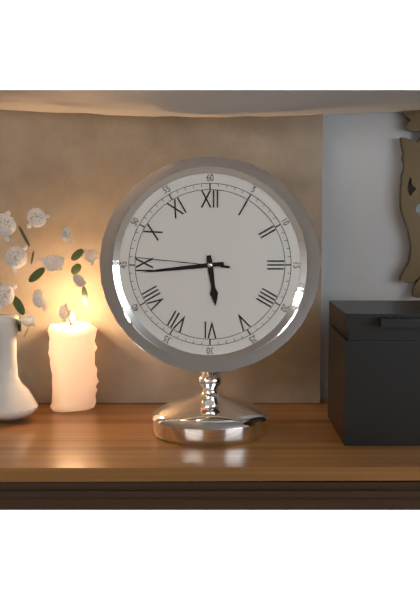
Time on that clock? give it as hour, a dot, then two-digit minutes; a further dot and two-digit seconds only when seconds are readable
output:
5.44.46
